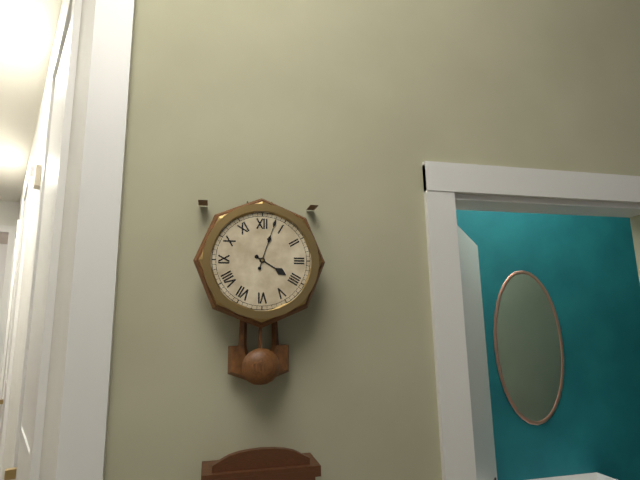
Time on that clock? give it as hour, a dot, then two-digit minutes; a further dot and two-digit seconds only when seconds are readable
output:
4.03
